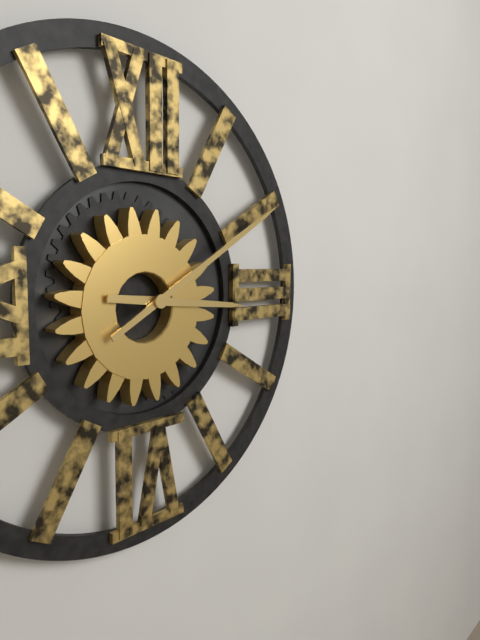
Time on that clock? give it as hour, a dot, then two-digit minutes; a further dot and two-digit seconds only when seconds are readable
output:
3.10
